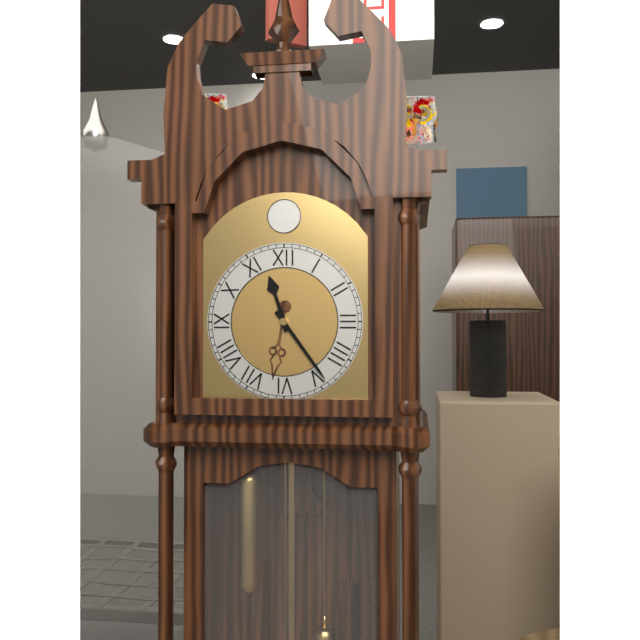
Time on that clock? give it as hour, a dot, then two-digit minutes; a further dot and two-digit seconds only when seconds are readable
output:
11.24
